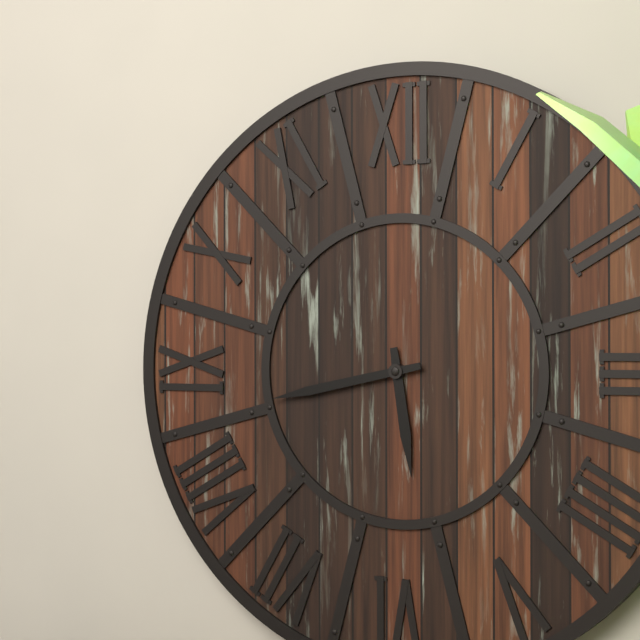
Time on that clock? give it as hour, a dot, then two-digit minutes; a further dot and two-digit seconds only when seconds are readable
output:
5.43
